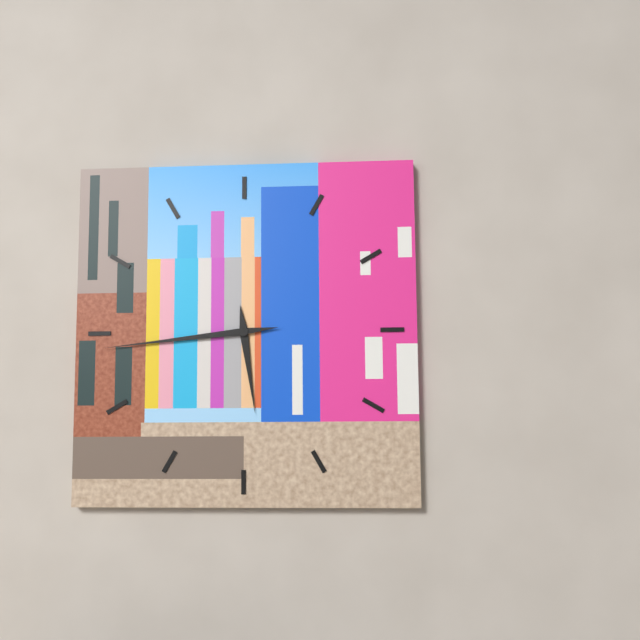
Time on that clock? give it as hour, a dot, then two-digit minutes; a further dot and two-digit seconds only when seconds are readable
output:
5.44
